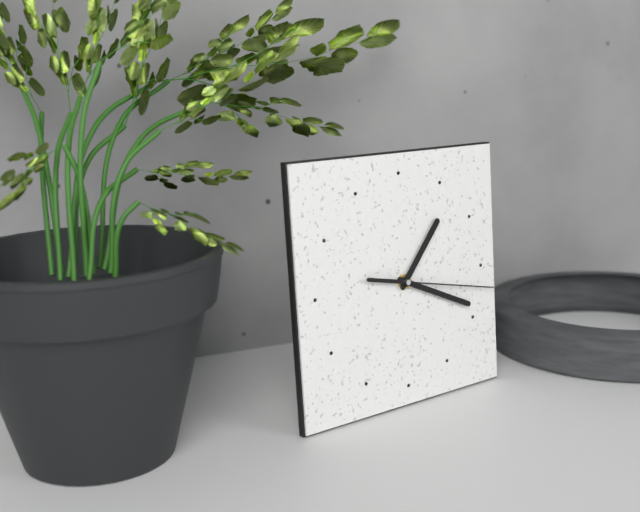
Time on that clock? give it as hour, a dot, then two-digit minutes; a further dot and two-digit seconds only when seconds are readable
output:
1.19.17
